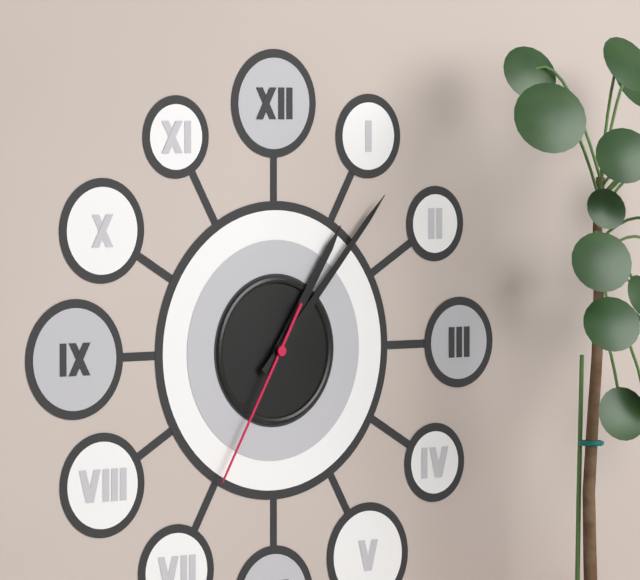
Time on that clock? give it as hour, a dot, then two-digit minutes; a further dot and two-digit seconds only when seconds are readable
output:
1.07.35
